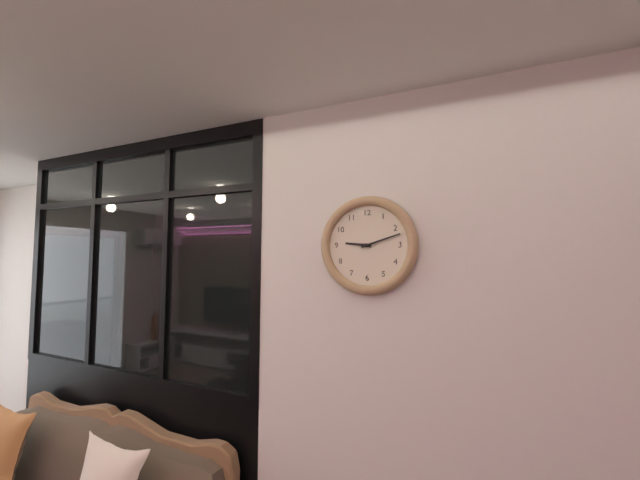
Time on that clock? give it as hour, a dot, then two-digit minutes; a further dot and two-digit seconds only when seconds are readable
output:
9.12
